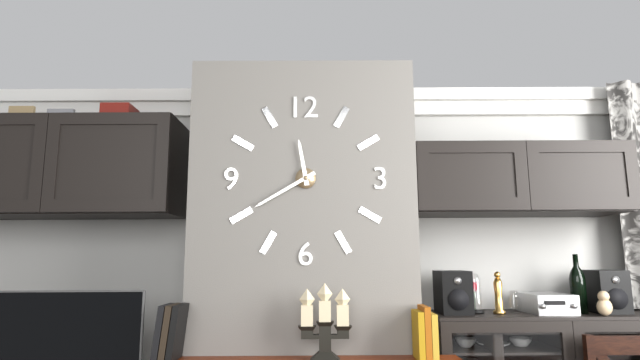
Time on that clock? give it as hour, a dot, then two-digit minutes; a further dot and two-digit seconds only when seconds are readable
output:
11.40
